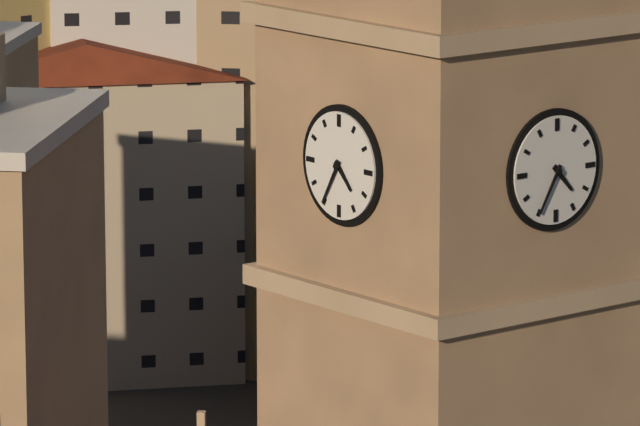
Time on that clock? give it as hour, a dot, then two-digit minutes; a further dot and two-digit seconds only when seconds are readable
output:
4.35
